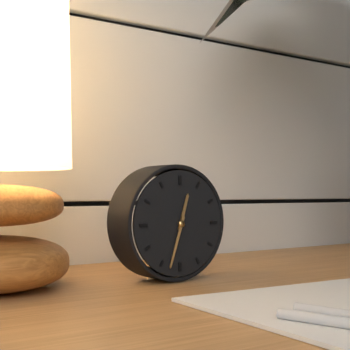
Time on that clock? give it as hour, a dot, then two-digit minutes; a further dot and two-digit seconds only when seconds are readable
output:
12.33
